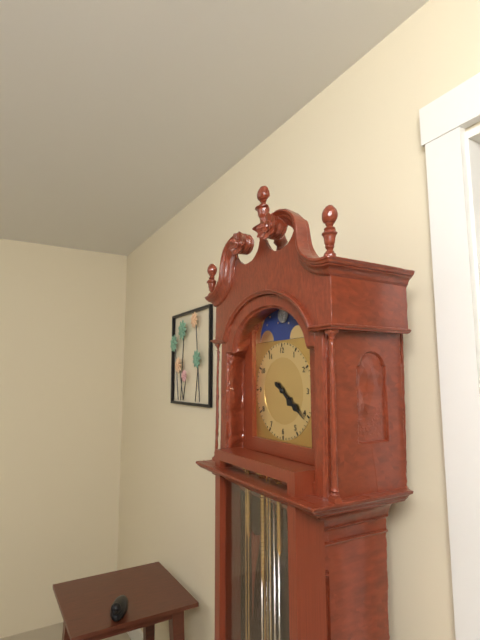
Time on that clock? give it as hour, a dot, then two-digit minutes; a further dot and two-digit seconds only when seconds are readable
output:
4.21
